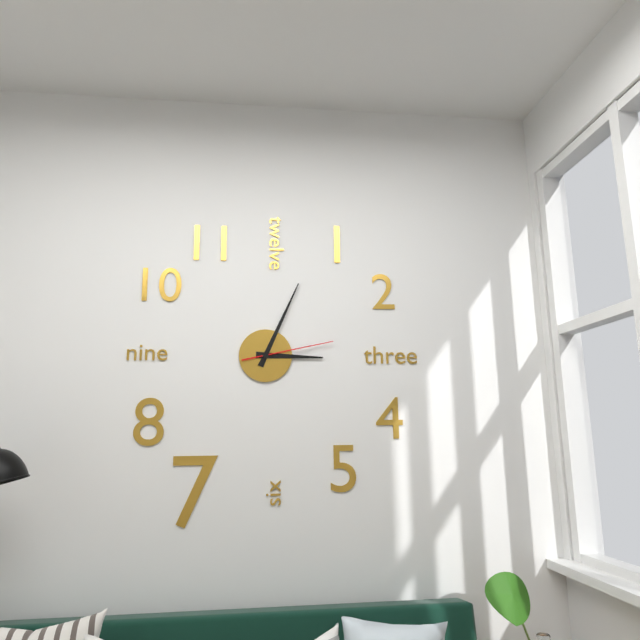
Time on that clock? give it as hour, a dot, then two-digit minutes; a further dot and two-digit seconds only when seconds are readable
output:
3.04.13
